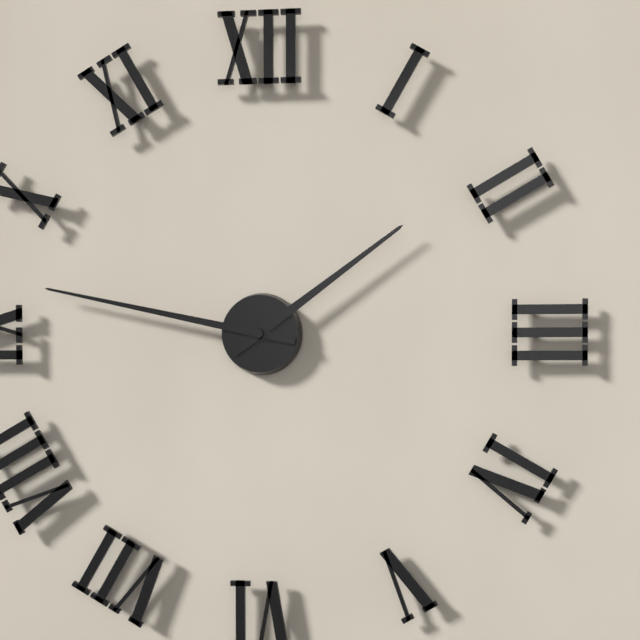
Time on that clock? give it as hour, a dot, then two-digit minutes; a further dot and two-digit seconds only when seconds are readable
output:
1.47
